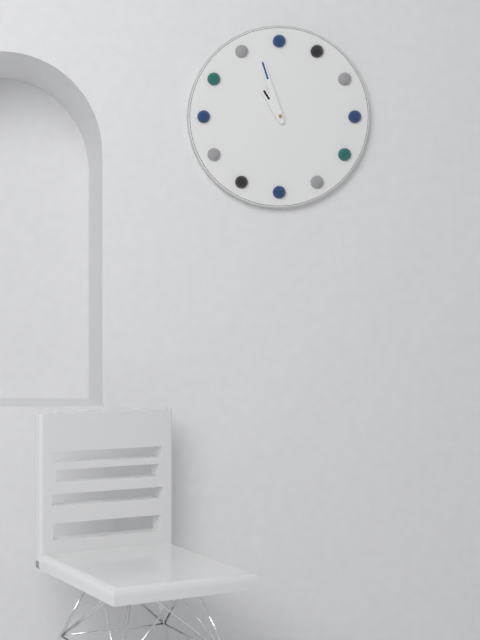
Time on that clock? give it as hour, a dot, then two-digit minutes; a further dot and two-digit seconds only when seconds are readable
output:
10.57
